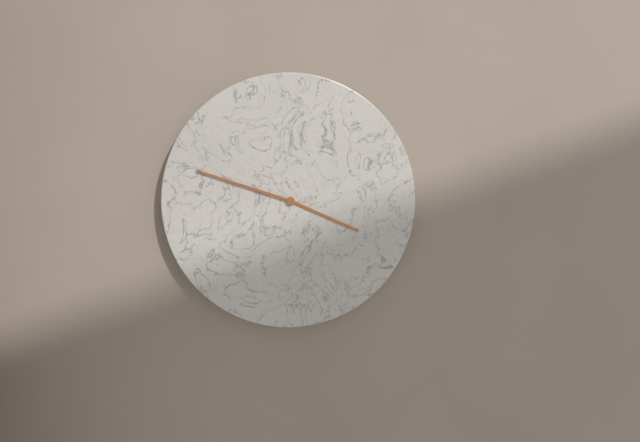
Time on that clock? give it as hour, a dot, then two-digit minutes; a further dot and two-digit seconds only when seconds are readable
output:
3.48
